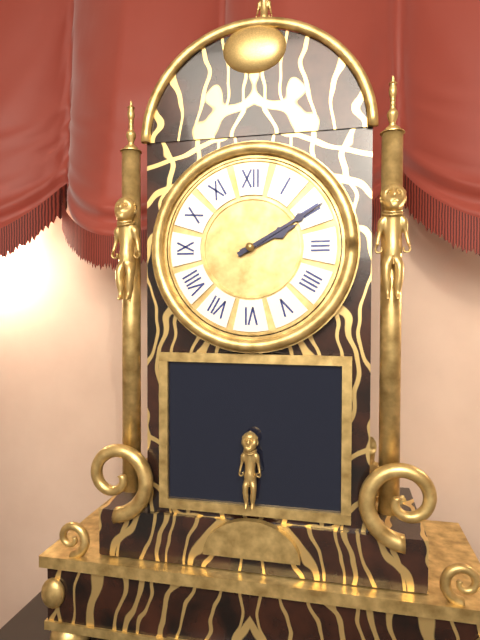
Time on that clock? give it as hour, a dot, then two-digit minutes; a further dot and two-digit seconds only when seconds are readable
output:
2.10
